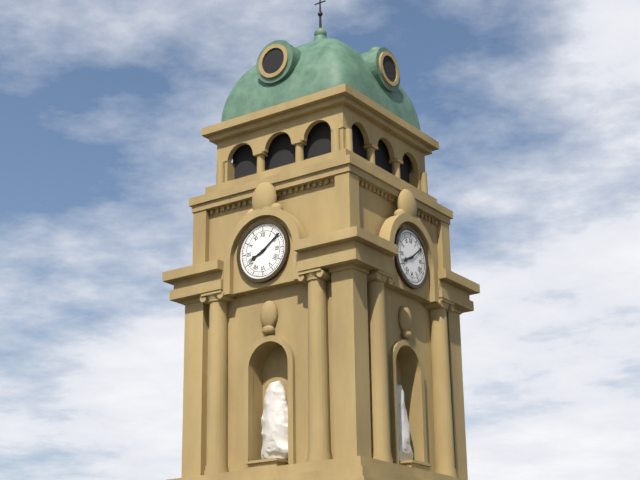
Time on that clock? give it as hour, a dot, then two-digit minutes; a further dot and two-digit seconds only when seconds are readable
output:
8.09
